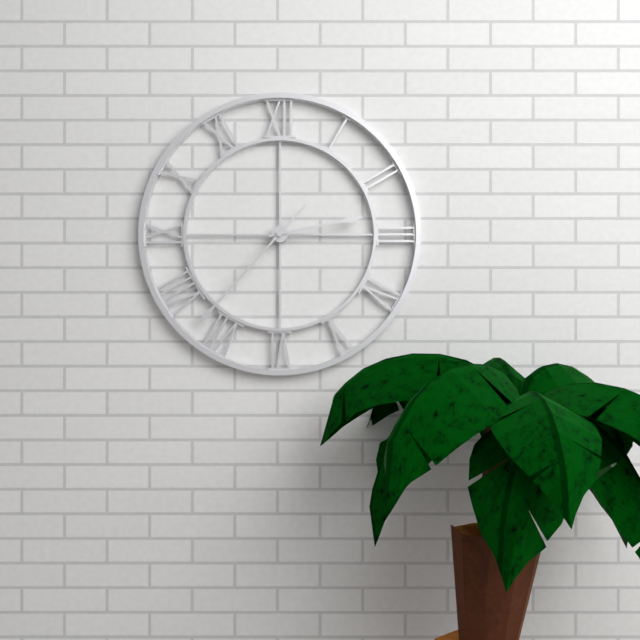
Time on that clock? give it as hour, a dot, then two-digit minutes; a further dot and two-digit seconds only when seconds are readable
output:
2.37
